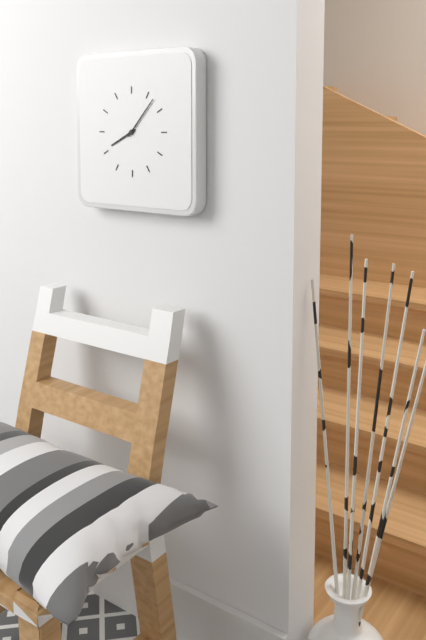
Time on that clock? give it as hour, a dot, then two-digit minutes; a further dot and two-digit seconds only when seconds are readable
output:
8.07
